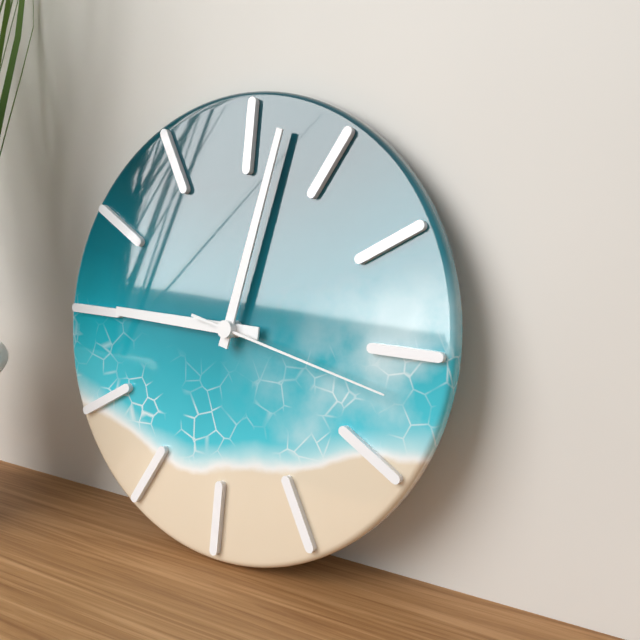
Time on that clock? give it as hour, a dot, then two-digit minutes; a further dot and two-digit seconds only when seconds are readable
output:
9.02.17
